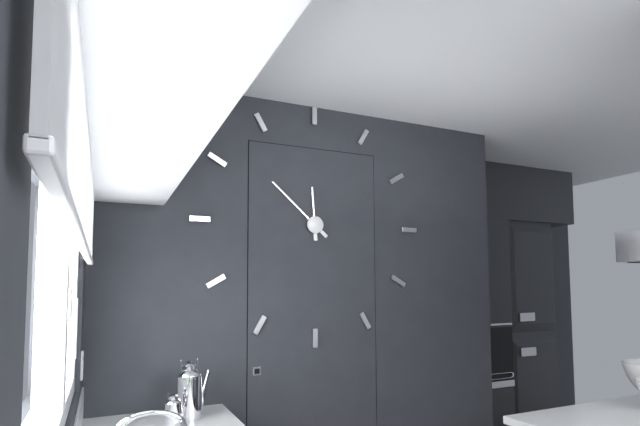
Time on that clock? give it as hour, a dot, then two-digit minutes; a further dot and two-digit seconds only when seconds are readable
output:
11.52
